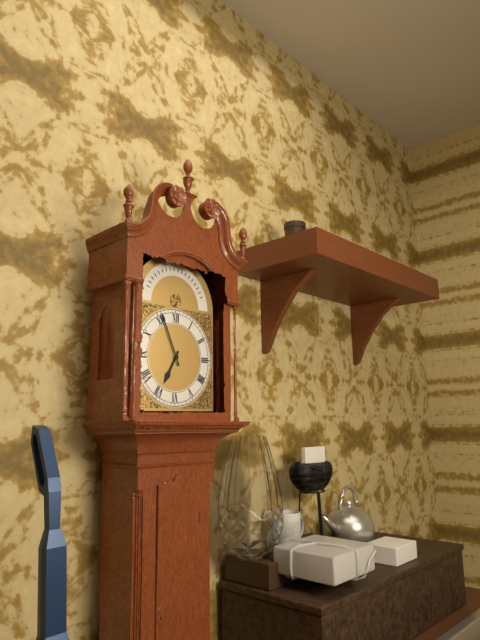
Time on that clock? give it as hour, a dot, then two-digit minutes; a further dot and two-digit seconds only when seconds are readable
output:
6.56
